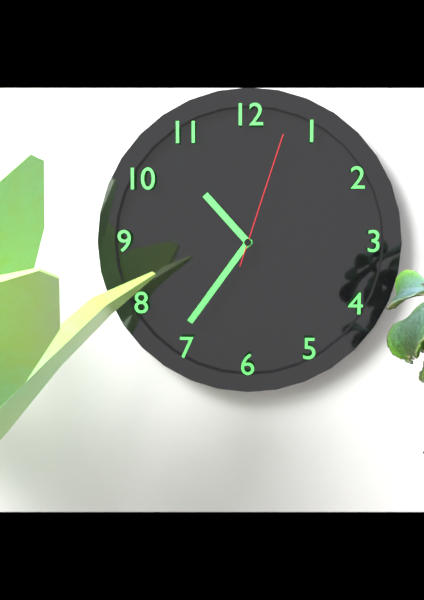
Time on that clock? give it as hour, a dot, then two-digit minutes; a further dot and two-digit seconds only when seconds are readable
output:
10.36.03
